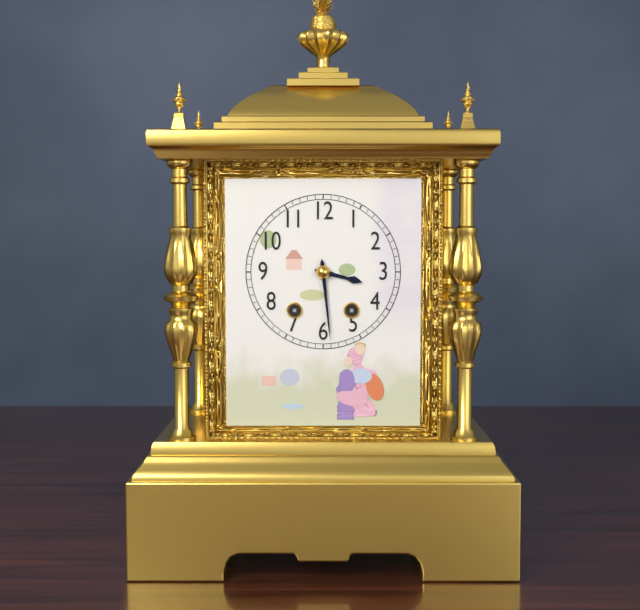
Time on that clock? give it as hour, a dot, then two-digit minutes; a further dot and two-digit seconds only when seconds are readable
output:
3.29
